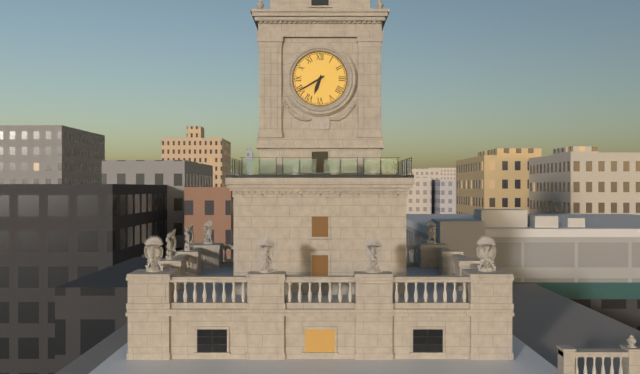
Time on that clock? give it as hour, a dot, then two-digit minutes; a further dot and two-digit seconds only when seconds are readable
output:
6.40
